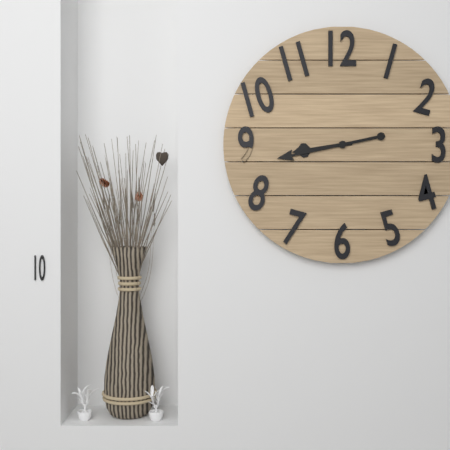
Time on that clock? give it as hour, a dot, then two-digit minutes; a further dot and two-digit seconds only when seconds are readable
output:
8.43
